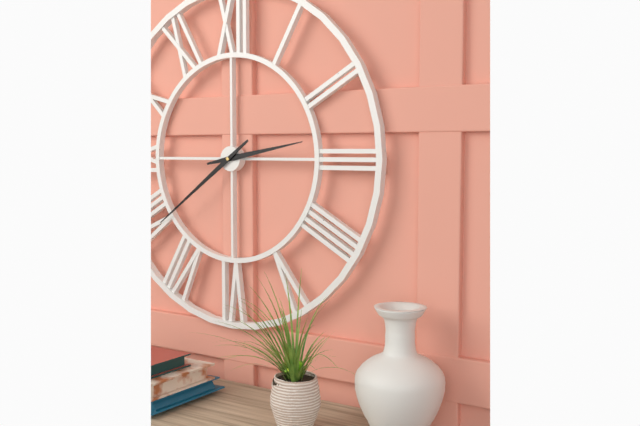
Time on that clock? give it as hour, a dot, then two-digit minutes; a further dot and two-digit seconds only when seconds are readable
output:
2.39
